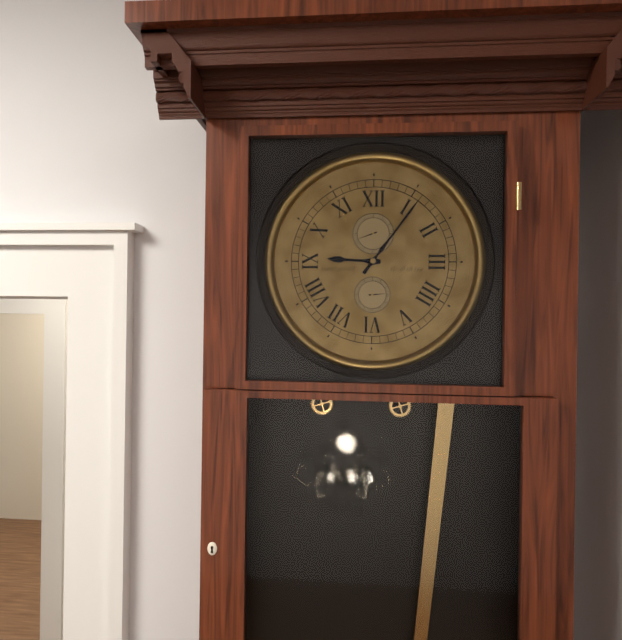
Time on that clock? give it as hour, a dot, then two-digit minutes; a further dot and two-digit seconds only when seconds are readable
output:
9.06
